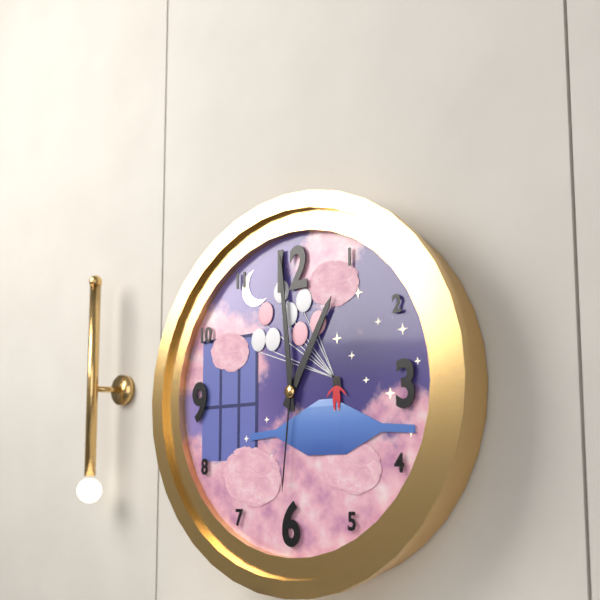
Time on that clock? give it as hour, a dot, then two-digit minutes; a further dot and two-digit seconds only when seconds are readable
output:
12.59.31
